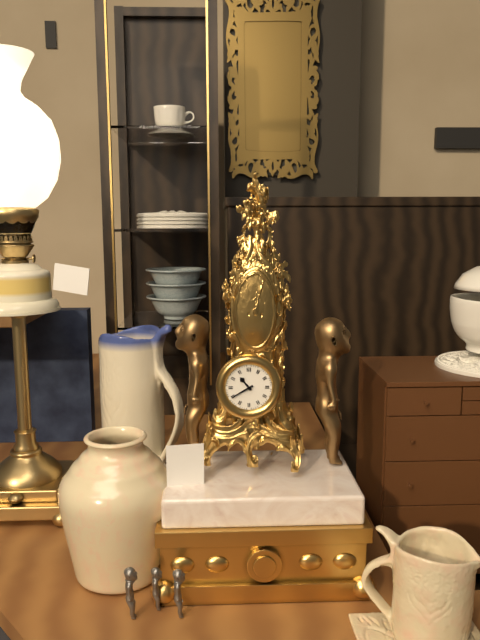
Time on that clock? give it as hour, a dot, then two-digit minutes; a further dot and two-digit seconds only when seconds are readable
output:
10.40
